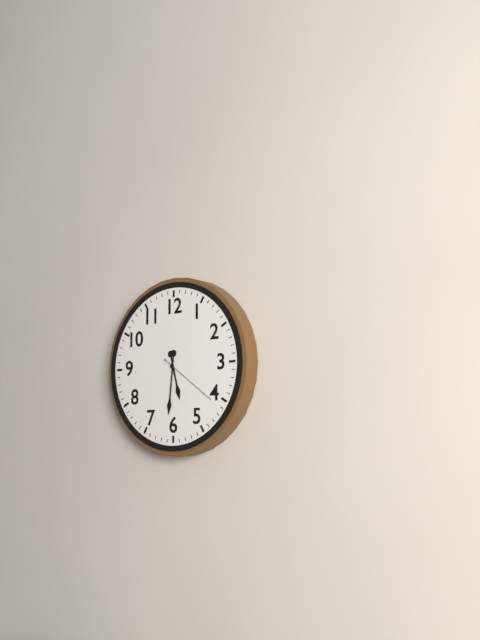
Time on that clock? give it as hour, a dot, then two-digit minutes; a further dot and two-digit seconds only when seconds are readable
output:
5.31.21
